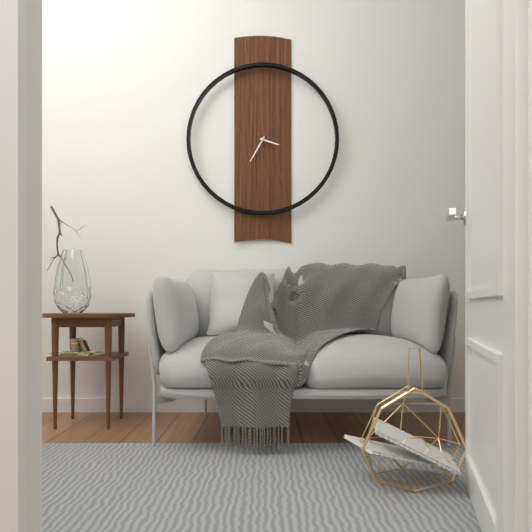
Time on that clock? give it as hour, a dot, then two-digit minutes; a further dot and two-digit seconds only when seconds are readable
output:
3.35
